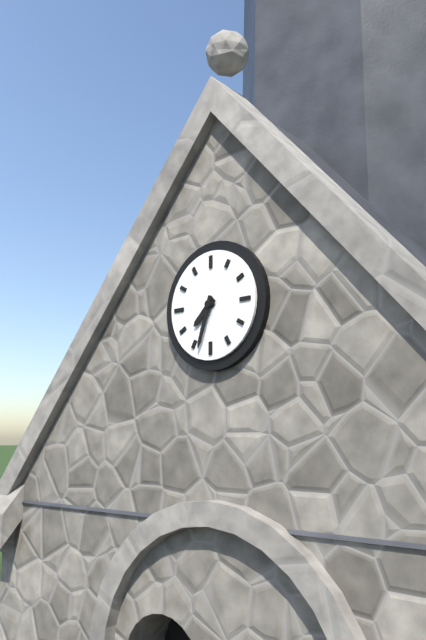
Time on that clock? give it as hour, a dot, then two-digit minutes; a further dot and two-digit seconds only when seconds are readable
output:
7.33
